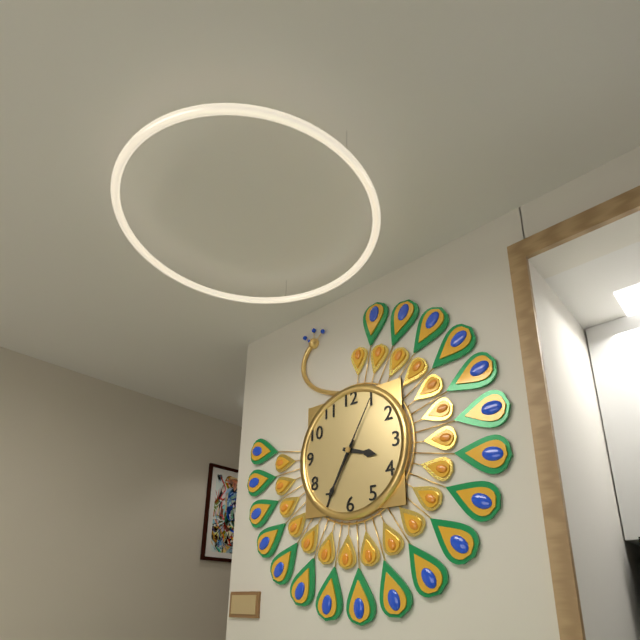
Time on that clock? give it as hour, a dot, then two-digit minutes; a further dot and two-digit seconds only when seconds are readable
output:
3.35.05
